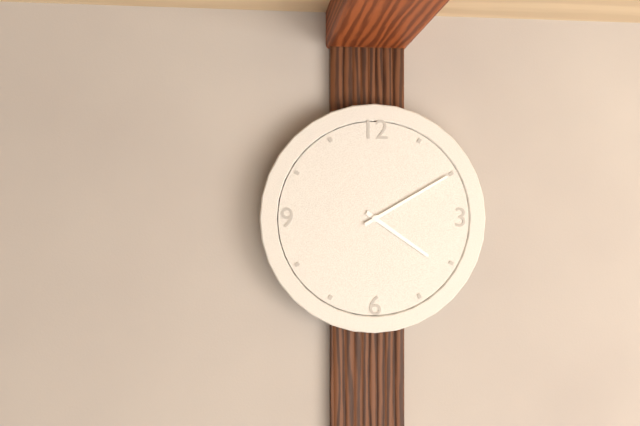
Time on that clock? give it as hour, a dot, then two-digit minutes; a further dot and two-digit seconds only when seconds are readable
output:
4.10
